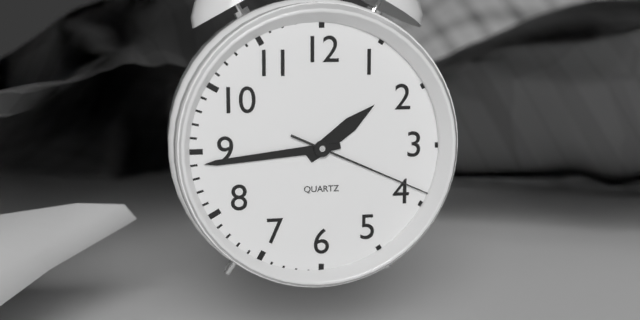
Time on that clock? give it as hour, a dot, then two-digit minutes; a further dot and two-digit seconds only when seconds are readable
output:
1.44.19
